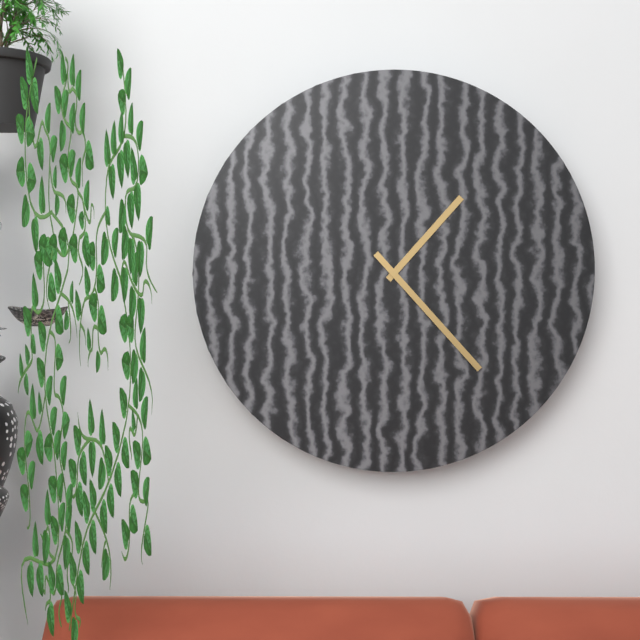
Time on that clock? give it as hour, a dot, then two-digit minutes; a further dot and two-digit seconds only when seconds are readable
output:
1.23
